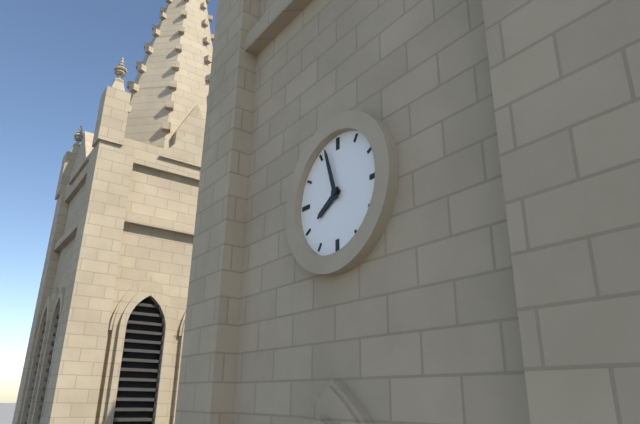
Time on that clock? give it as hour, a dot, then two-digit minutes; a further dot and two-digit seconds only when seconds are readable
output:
7.57
